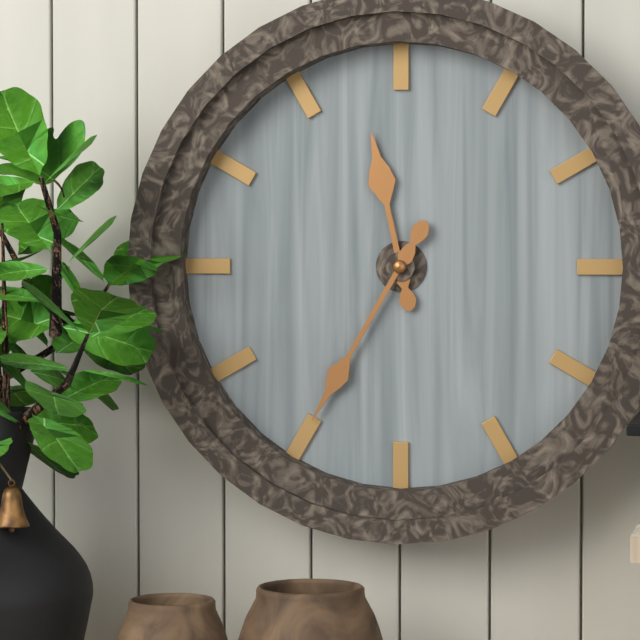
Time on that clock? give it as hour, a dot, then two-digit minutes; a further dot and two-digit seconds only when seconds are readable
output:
11.35
